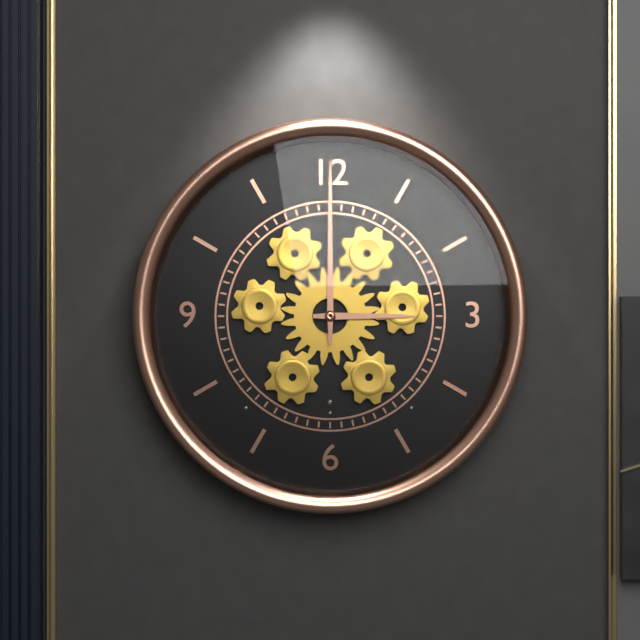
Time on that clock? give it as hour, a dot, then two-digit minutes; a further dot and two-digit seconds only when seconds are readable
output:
3.00
